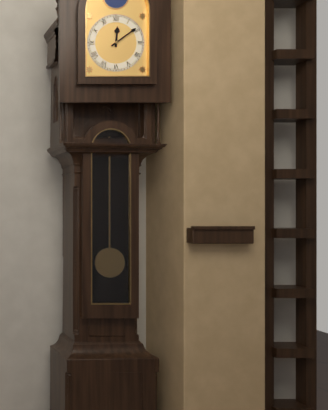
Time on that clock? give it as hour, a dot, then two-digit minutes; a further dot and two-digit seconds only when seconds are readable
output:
12.09
